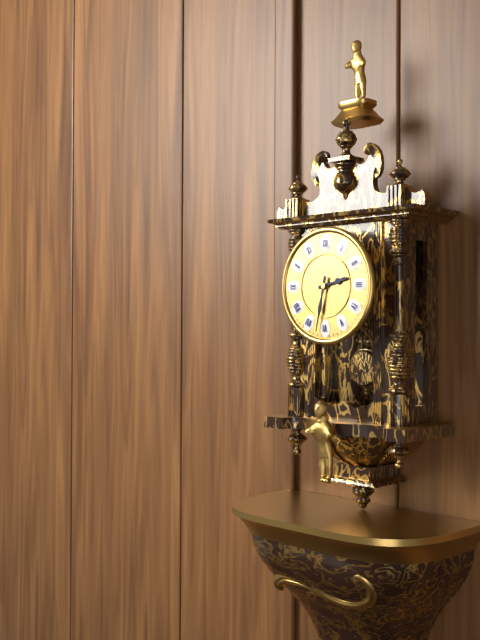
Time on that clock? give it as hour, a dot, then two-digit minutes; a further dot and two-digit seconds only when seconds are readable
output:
2.32
